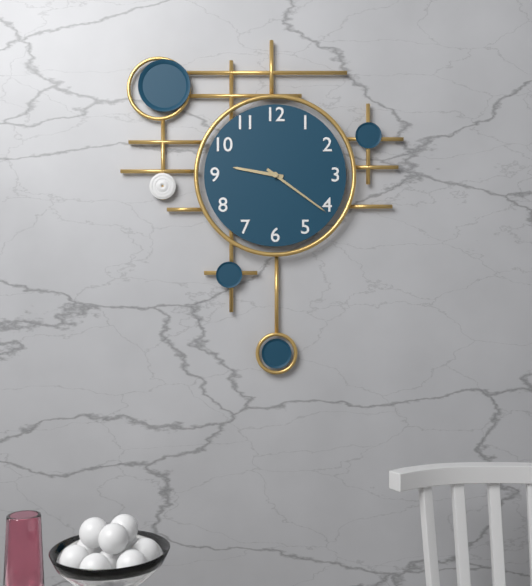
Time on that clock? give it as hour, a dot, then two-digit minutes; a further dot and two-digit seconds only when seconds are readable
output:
9.21
